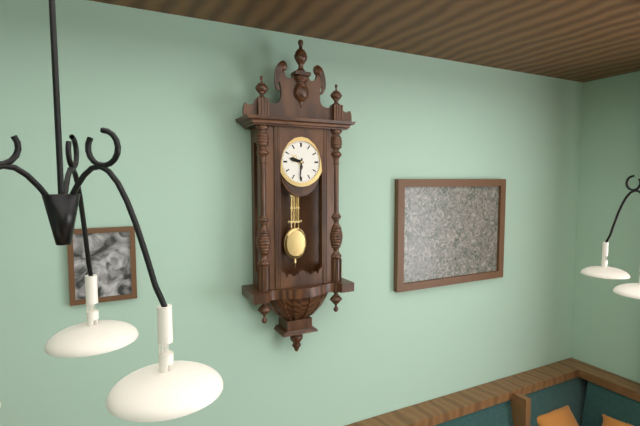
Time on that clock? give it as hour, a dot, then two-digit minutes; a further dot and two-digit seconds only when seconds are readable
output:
9.31
